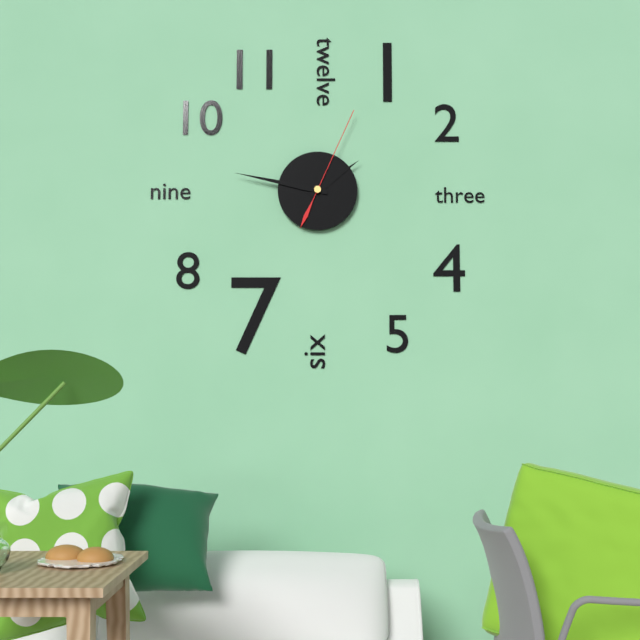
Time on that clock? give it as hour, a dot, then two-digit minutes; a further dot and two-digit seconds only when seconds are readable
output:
1.47.04
